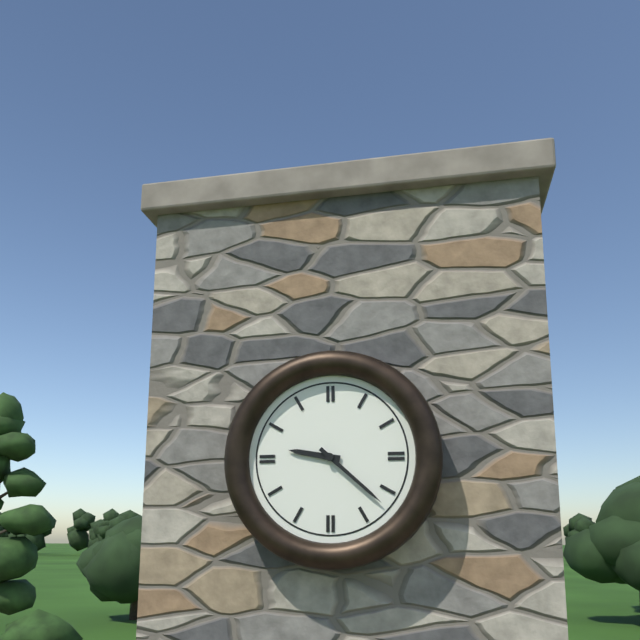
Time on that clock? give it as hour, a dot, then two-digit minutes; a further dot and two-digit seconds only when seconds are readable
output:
9.22
